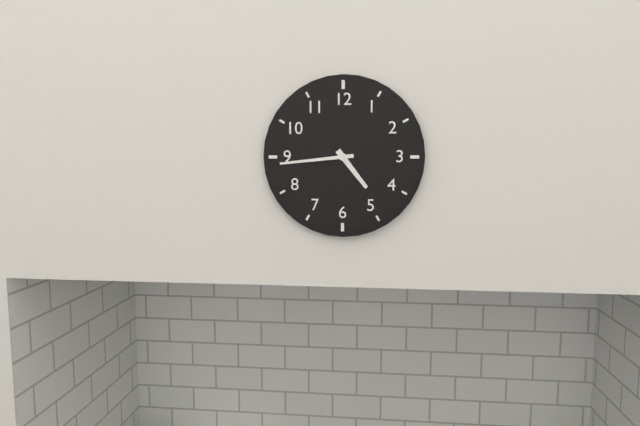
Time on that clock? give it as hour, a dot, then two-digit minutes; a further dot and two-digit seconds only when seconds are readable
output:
4.44
